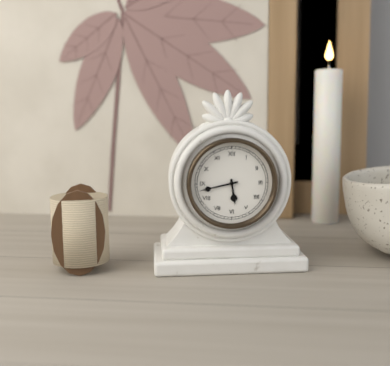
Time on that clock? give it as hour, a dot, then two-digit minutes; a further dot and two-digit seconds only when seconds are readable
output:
5.43
